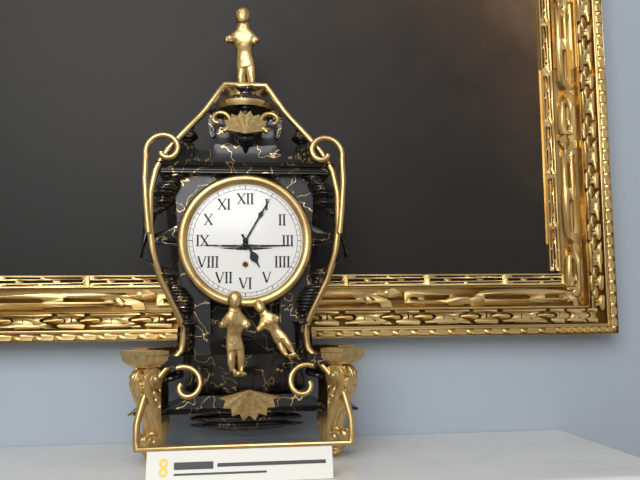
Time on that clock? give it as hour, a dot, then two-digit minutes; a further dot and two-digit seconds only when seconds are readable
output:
5.05
